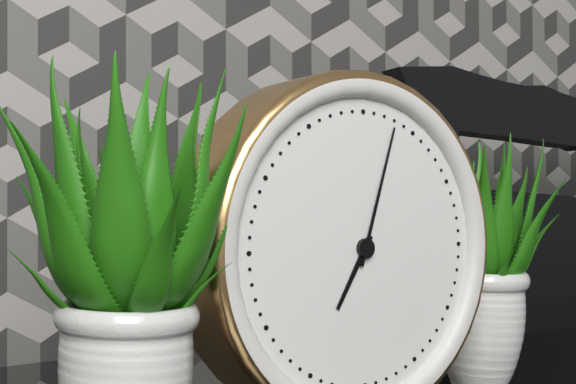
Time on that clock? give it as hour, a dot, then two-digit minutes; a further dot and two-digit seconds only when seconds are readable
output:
7.03
